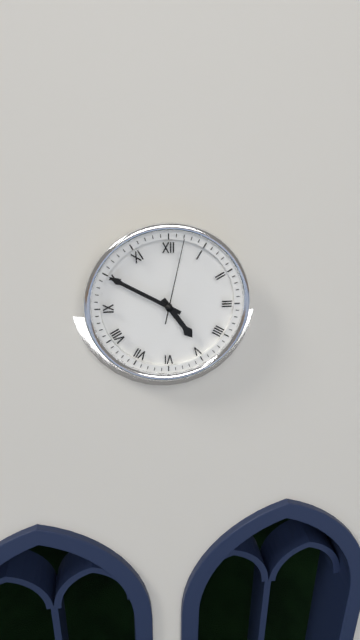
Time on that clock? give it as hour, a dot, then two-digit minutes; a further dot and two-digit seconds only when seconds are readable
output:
4.50.02
